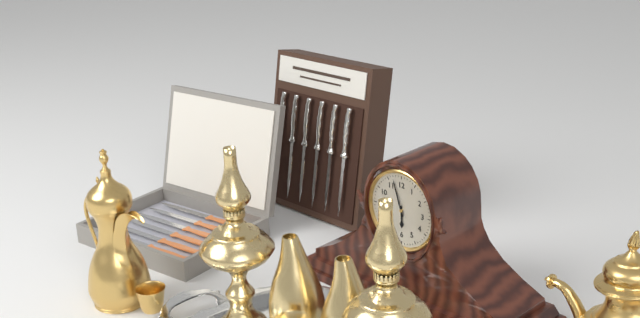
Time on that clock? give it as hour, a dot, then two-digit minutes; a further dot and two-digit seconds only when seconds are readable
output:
5.57
